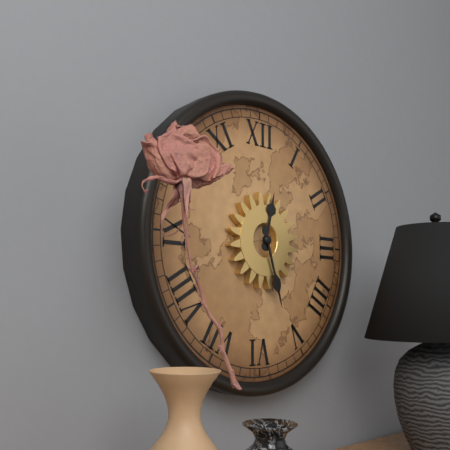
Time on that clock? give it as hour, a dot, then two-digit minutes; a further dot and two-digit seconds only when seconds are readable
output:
12.27
